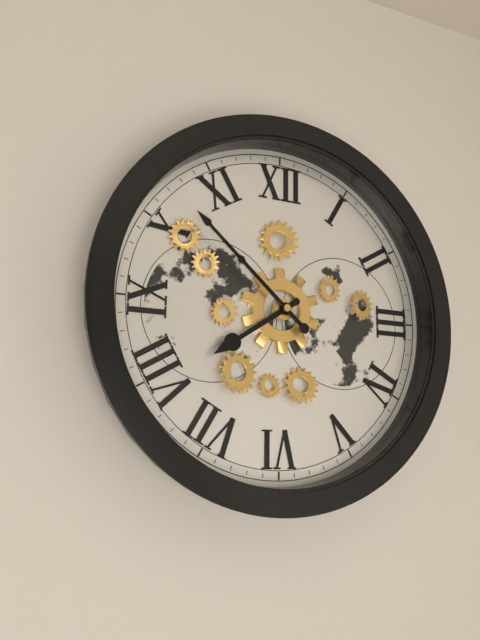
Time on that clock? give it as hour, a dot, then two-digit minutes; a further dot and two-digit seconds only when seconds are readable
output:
7.52
